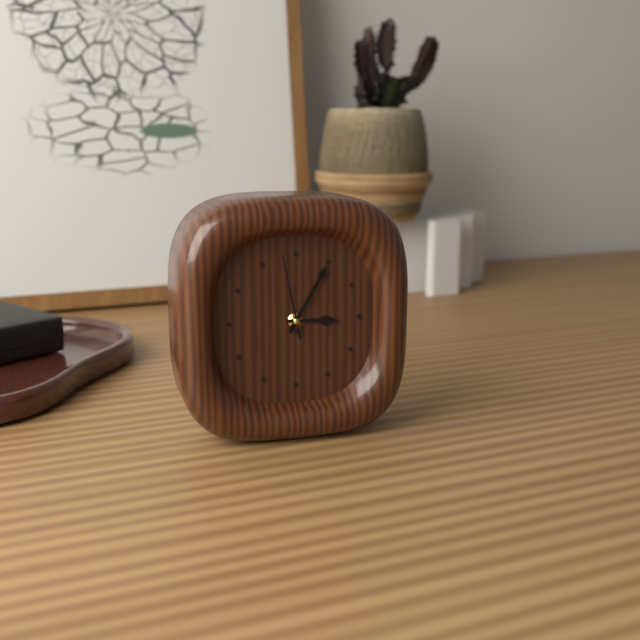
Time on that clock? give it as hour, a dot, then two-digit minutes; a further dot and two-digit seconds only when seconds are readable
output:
3.05.58
